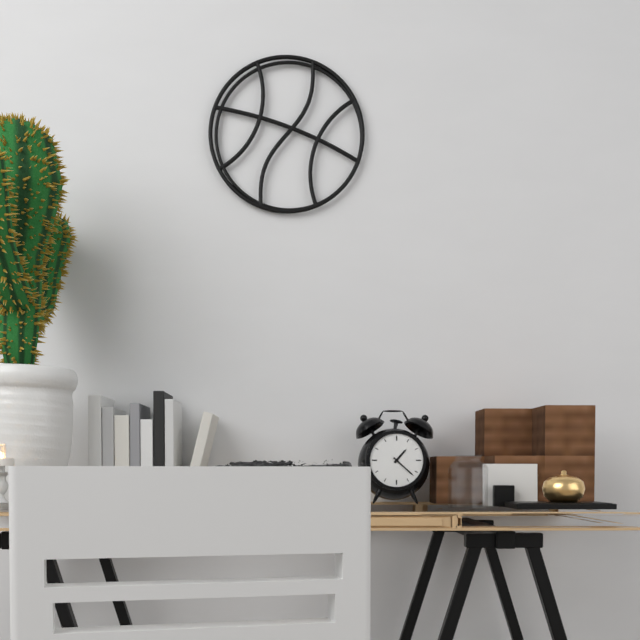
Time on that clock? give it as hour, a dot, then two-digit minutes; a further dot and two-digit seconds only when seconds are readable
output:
1.22
